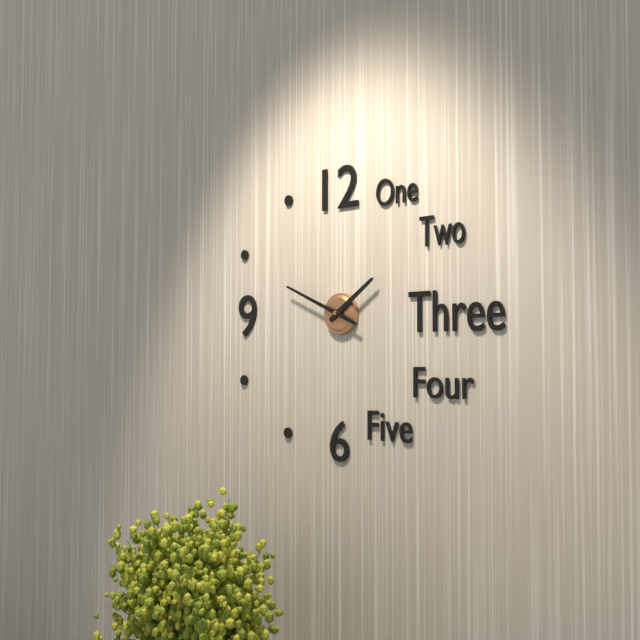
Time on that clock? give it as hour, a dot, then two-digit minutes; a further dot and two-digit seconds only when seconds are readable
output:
1.49
